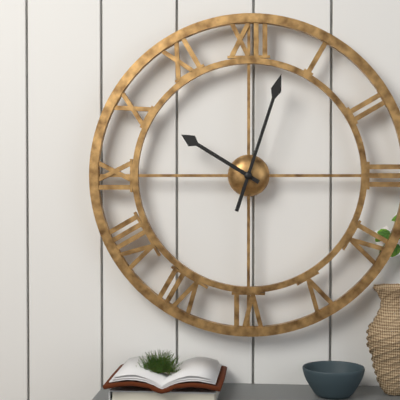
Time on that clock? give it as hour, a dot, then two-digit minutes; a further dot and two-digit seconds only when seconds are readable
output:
10.03
